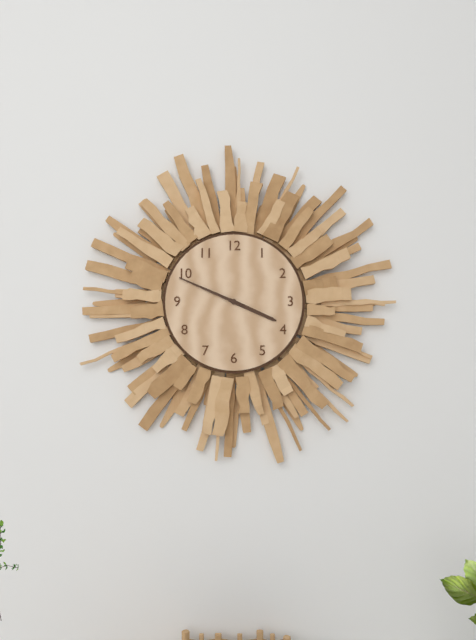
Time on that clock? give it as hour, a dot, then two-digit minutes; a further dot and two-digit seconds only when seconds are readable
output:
3.49
